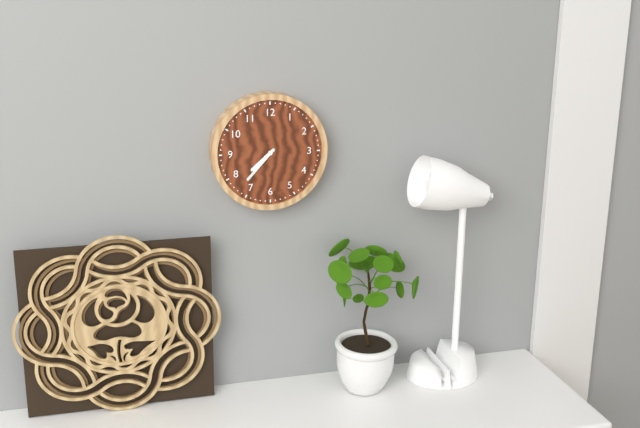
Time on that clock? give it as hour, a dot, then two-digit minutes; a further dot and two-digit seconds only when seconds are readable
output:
7.37
